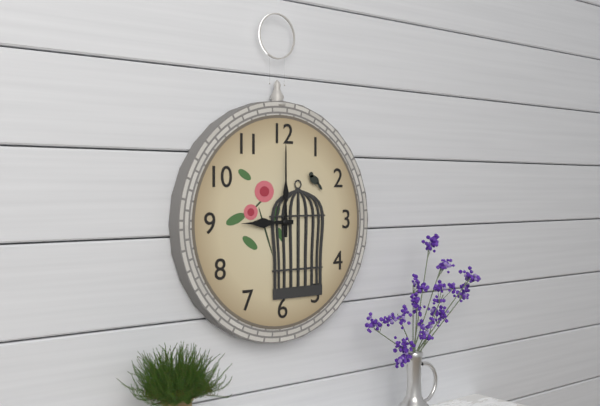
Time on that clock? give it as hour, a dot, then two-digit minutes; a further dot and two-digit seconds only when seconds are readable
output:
9.00
